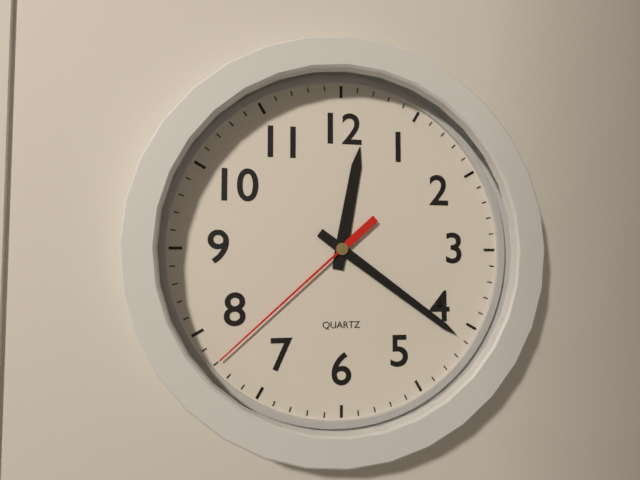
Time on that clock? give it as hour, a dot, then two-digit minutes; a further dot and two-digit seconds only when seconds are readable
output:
12.21.38
